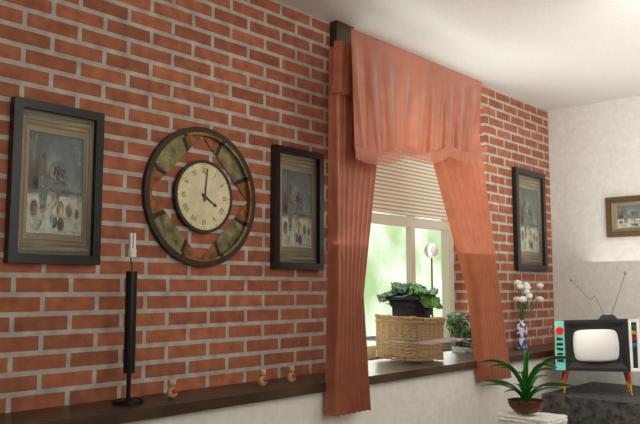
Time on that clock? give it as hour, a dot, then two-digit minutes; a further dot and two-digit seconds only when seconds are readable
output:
4.01
